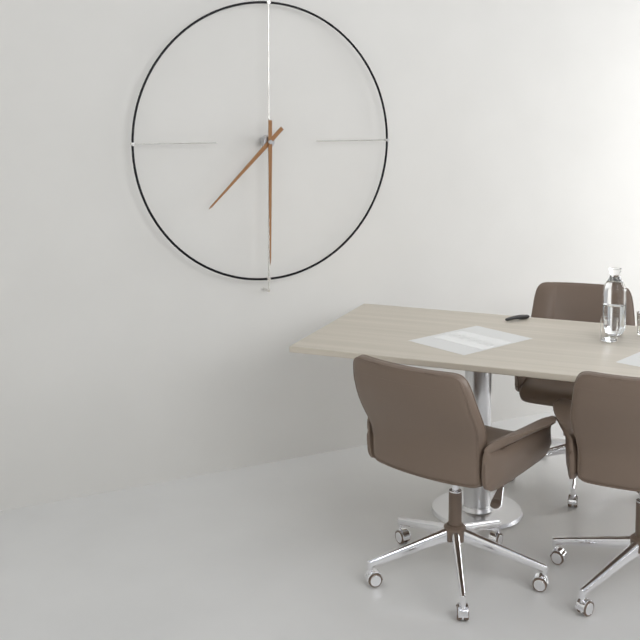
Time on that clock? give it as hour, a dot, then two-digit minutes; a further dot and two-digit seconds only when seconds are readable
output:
7.30
